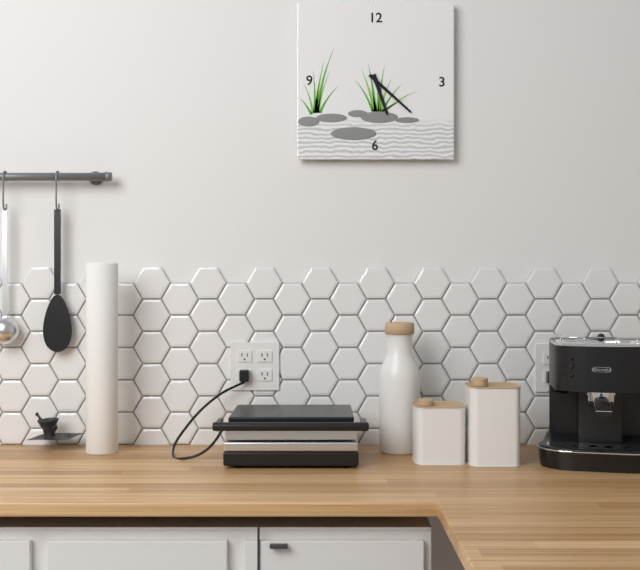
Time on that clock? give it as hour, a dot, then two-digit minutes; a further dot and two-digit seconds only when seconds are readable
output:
5.22
